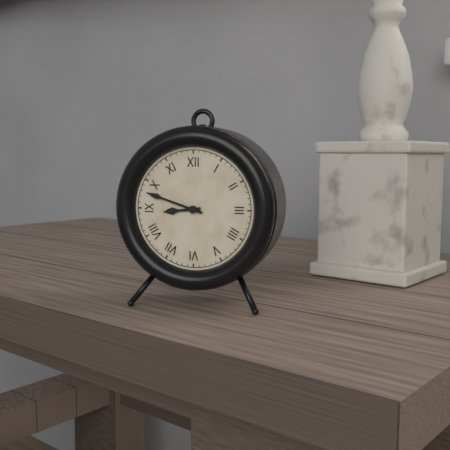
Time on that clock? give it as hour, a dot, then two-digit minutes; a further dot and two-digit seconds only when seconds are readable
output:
8.48
